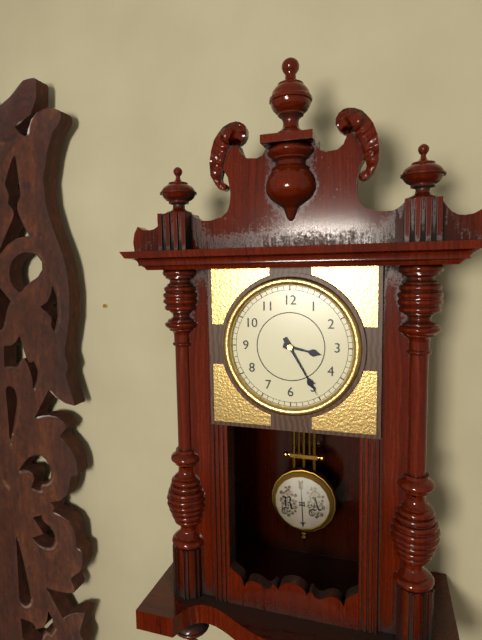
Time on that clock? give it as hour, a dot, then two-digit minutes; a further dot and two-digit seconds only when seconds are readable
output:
3.25
